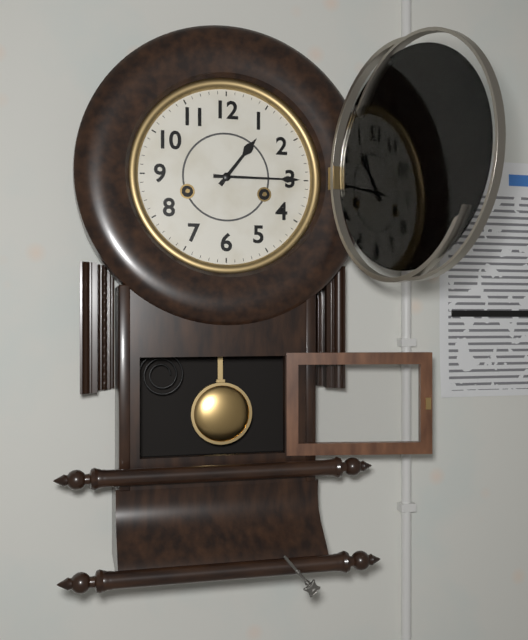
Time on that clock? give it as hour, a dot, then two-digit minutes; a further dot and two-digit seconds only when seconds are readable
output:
1.15
